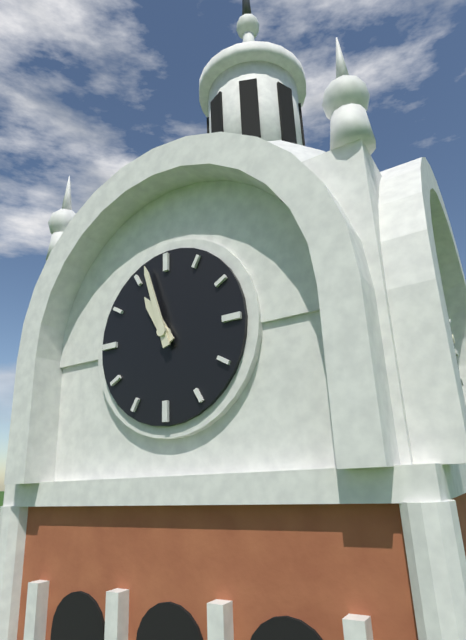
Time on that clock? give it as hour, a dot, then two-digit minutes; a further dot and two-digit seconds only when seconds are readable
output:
10.57
